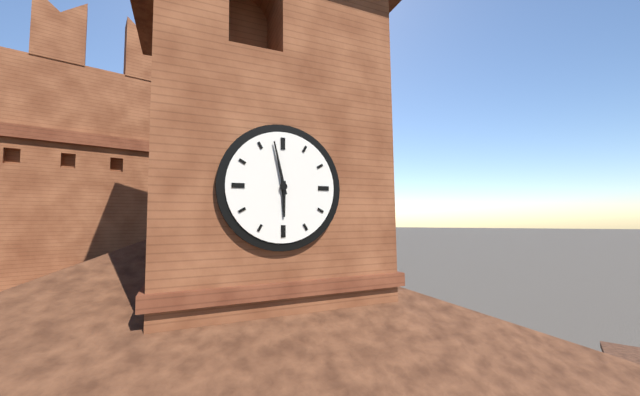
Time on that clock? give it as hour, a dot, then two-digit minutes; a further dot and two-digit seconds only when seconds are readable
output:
5.58
